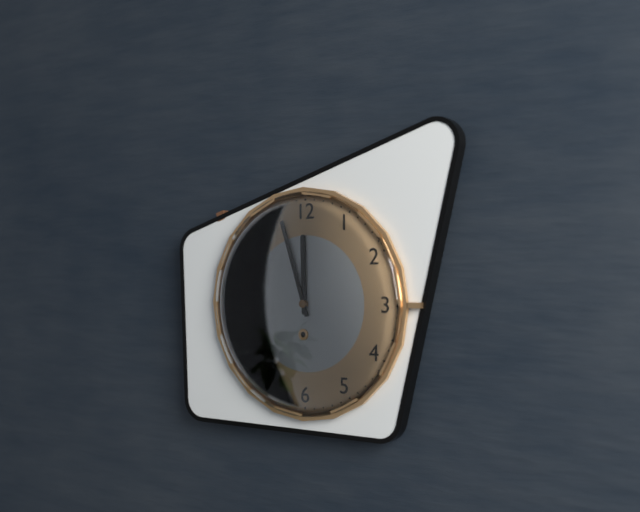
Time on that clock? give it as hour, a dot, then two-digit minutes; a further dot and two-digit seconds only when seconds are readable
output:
11.57
